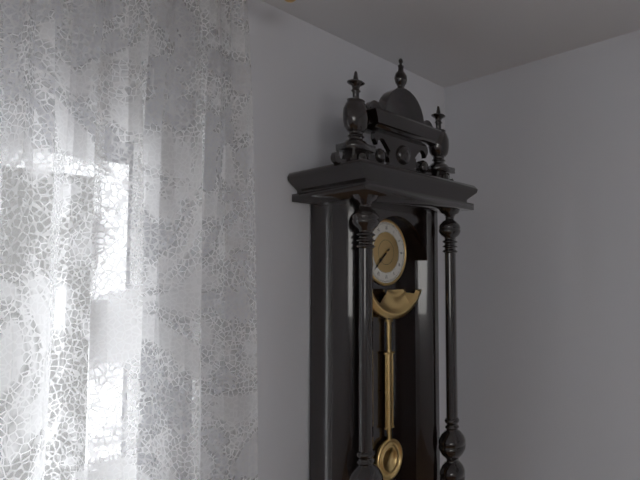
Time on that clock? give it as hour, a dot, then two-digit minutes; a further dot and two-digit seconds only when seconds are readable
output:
7.38
